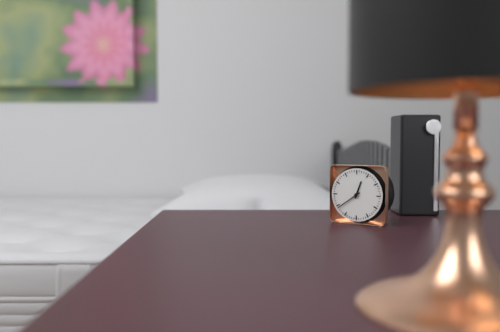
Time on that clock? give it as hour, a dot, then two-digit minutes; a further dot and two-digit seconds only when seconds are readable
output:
12.39
